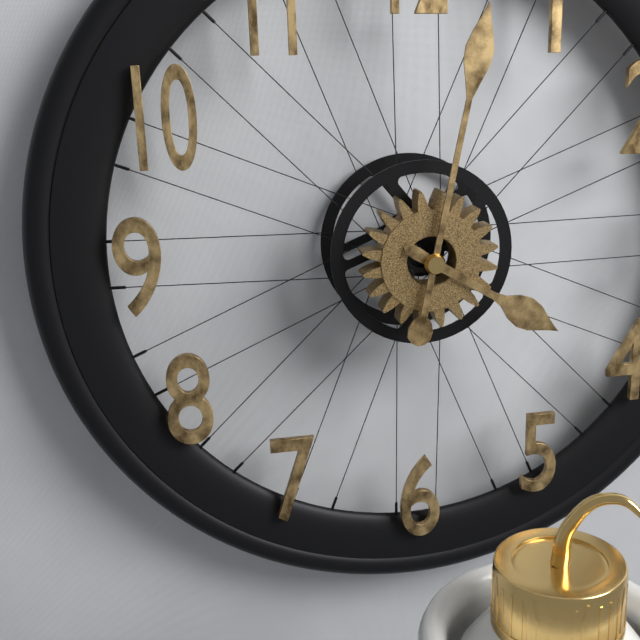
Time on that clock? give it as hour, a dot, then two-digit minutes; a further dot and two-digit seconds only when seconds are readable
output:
4.02
